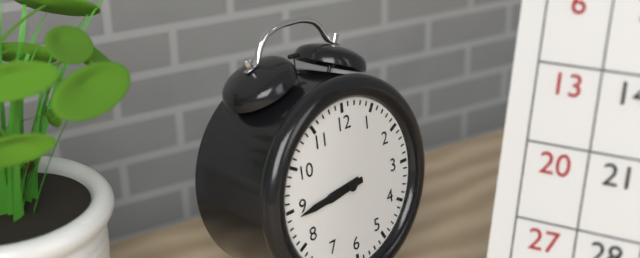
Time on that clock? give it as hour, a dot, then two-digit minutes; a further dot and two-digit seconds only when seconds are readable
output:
8.44
